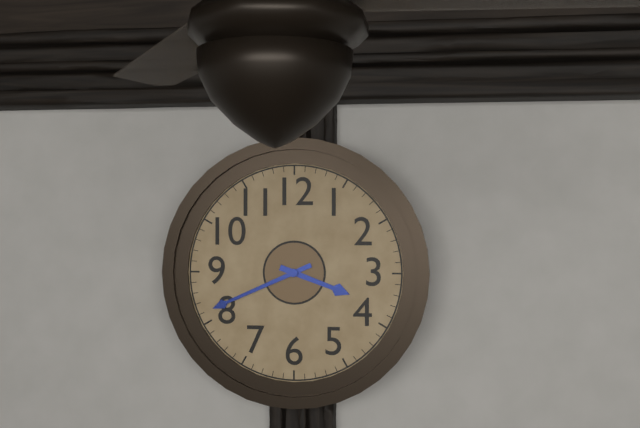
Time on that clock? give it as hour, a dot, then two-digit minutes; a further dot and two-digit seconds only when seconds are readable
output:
3.41
